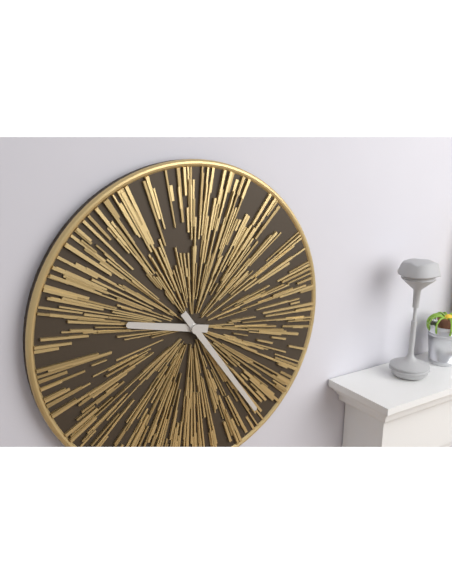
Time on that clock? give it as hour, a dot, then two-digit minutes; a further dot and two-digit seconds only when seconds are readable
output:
9.24
